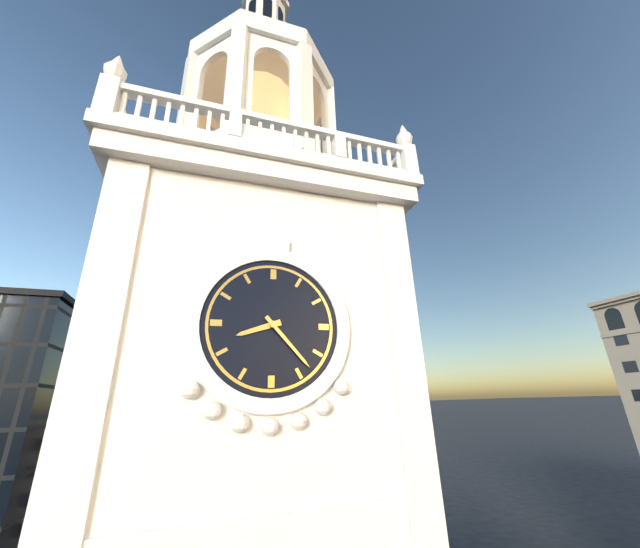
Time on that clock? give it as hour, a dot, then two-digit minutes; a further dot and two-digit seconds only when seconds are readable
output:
8.23
